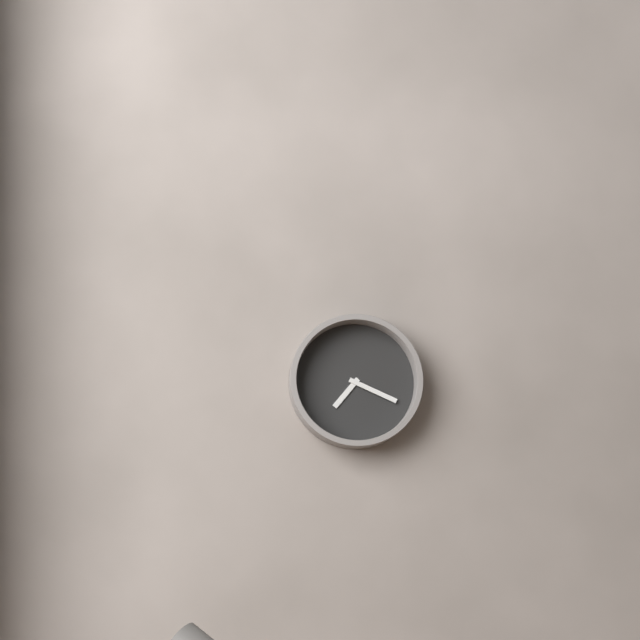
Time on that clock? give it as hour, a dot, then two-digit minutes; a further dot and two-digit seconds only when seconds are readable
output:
7.19
